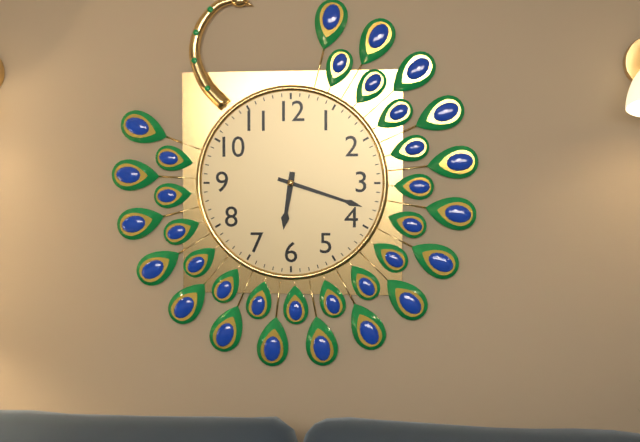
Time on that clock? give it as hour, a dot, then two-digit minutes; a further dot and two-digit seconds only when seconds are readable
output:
6.18
